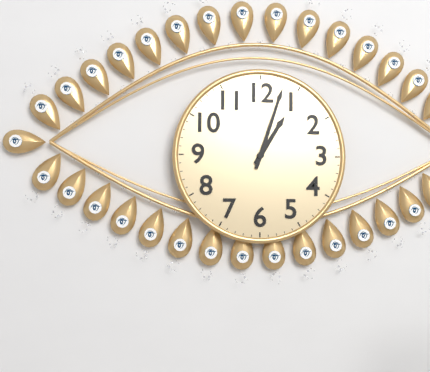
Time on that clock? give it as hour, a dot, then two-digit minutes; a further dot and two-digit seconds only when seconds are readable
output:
1.03
